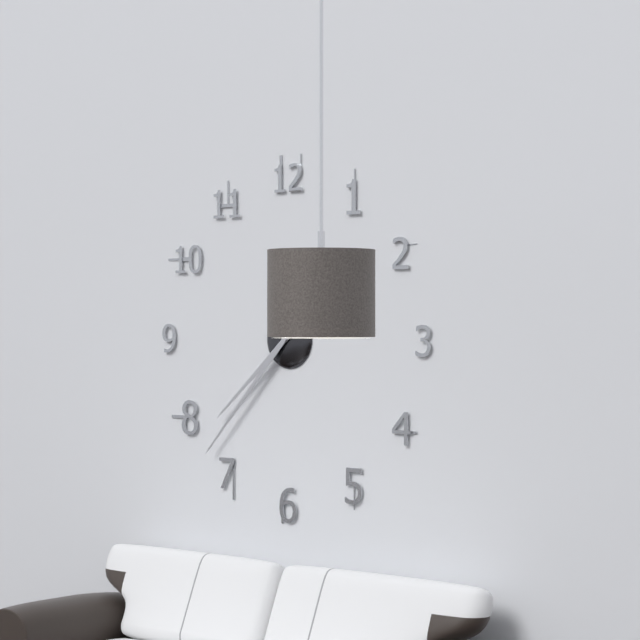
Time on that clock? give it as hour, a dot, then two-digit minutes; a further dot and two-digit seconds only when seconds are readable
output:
7.37
